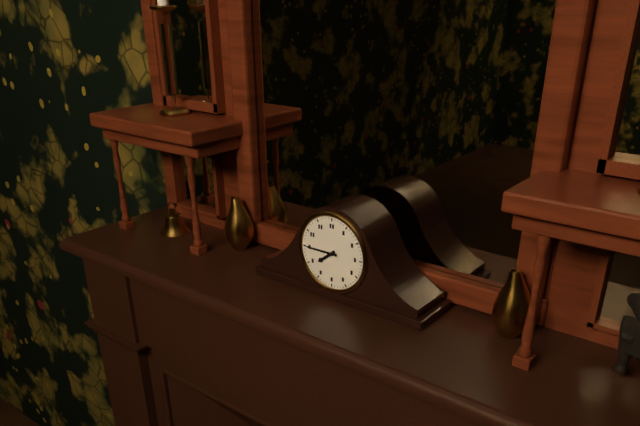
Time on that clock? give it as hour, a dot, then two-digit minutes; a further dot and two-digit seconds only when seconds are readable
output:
7.45
